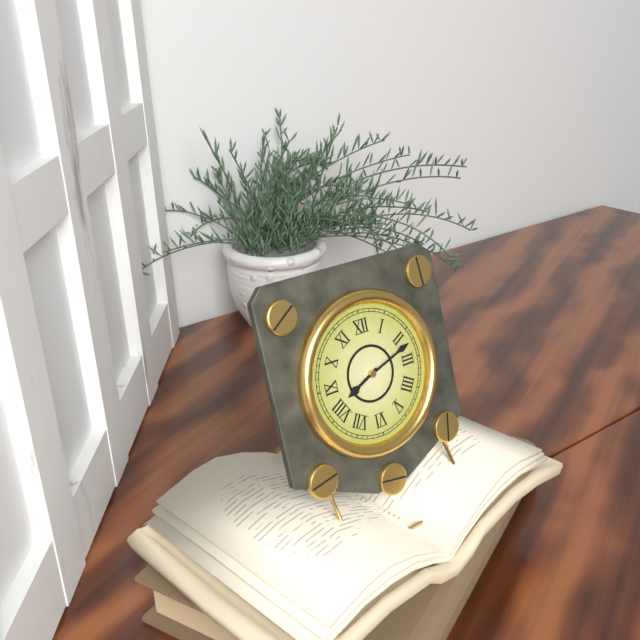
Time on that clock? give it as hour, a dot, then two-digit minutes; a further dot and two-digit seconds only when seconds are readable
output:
8.12
